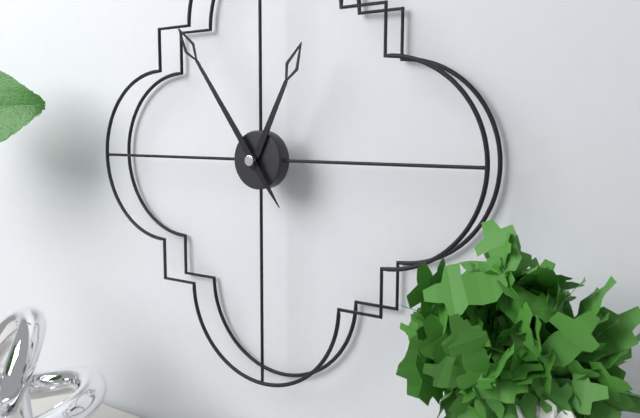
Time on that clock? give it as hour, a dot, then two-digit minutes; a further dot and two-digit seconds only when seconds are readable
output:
12.54
